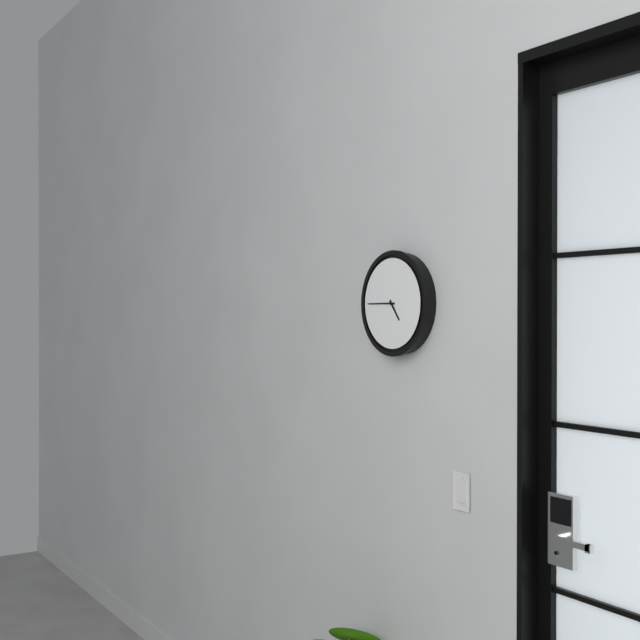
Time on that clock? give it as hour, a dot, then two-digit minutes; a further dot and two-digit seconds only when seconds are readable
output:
4.45
